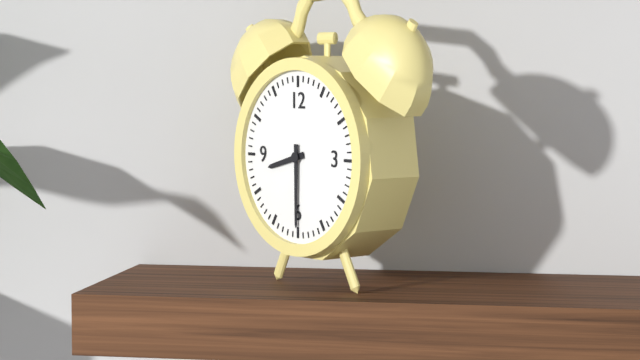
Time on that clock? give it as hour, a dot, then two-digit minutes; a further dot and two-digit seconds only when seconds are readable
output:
8.30
